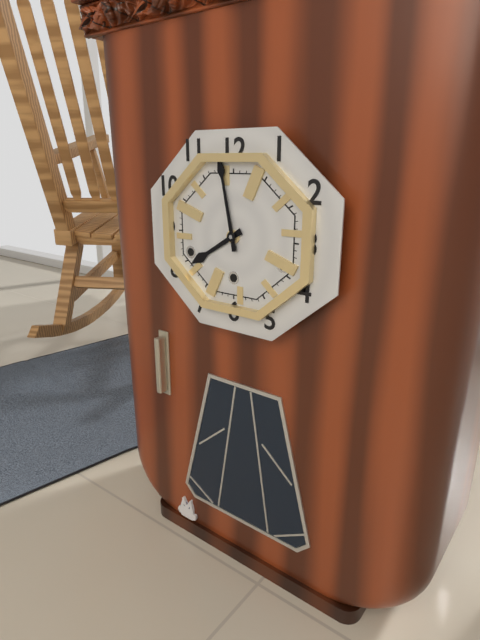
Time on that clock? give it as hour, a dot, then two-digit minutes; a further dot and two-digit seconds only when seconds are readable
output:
7.58
